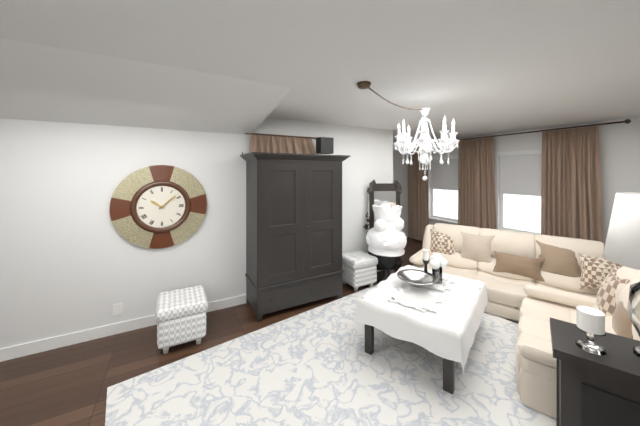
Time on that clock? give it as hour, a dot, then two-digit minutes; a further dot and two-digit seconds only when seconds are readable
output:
10.08
